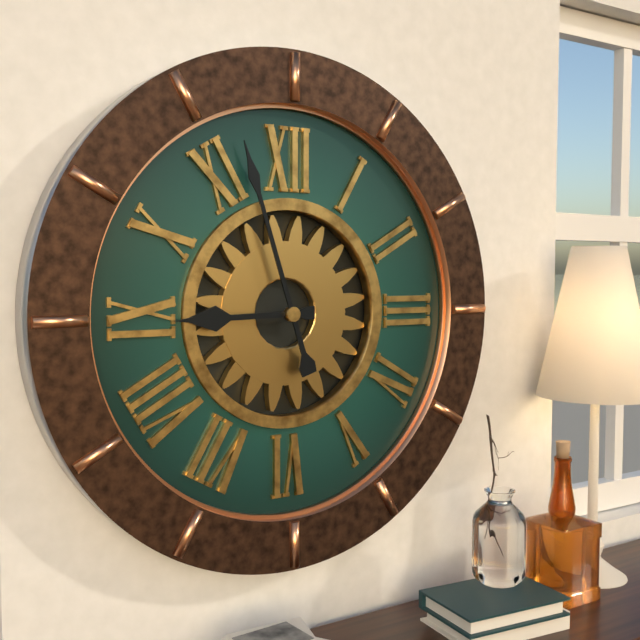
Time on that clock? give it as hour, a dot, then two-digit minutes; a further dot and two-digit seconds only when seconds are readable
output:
8.57
